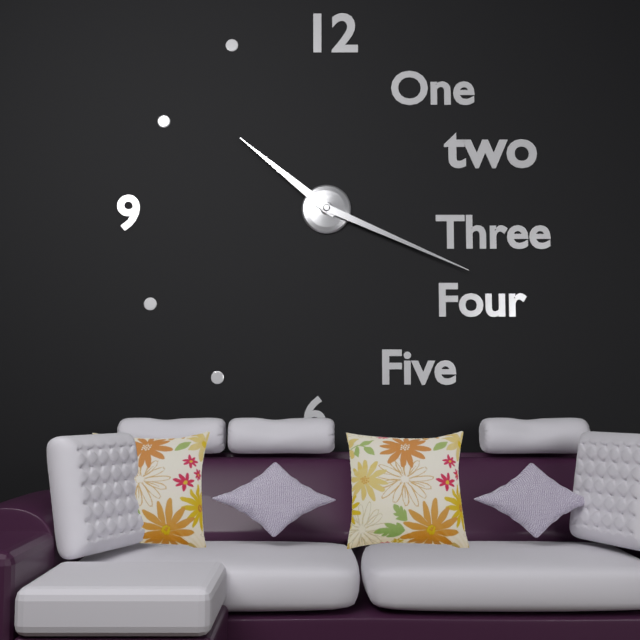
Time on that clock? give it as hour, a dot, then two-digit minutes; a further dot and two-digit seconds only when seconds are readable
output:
10.19
